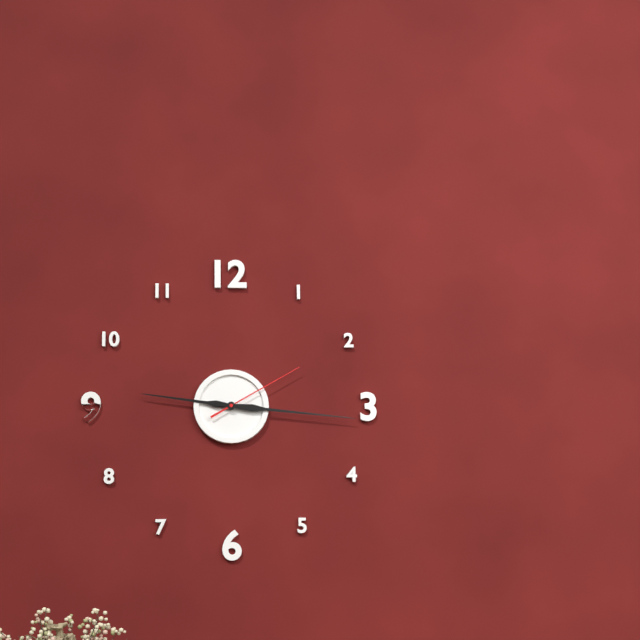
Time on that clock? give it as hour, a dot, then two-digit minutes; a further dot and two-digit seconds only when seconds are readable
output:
9.16.10
